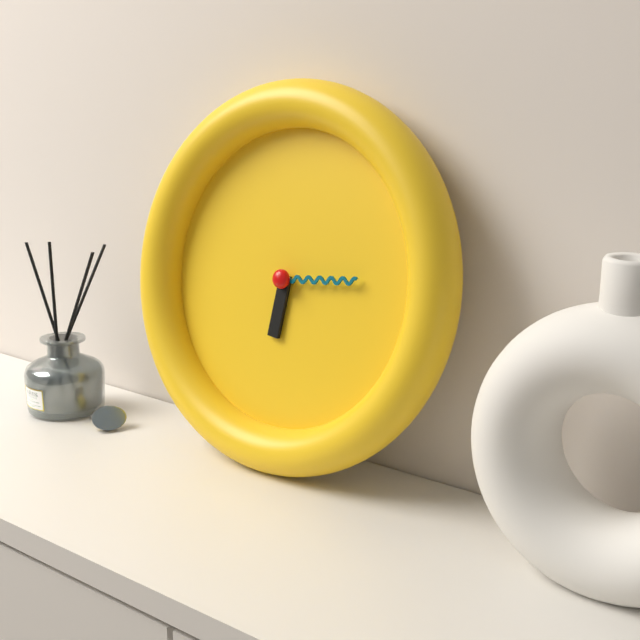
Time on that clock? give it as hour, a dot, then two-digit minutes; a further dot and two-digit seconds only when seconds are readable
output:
6.14
